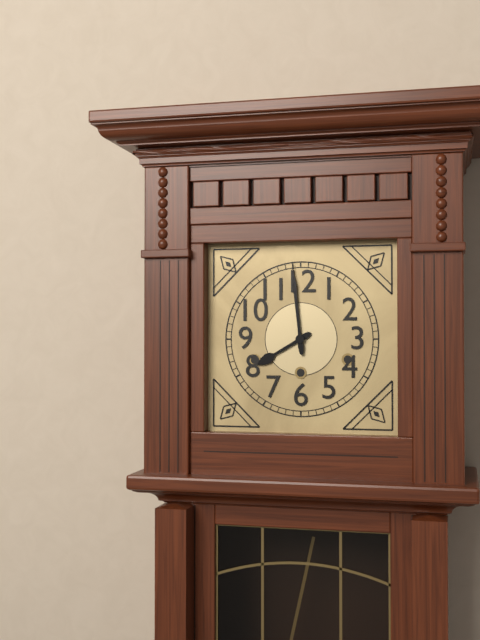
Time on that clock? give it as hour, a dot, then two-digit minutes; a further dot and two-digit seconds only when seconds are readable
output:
7.59
